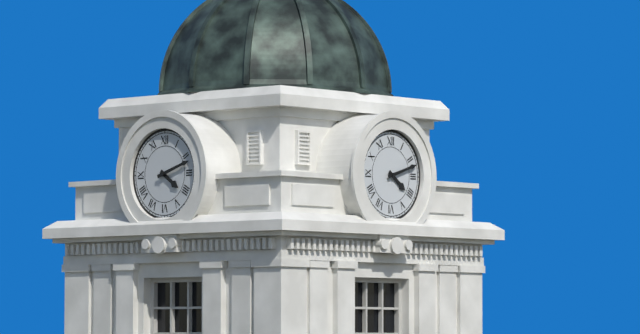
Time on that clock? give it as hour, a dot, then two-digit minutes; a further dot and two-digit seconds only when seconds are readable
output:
4.12
